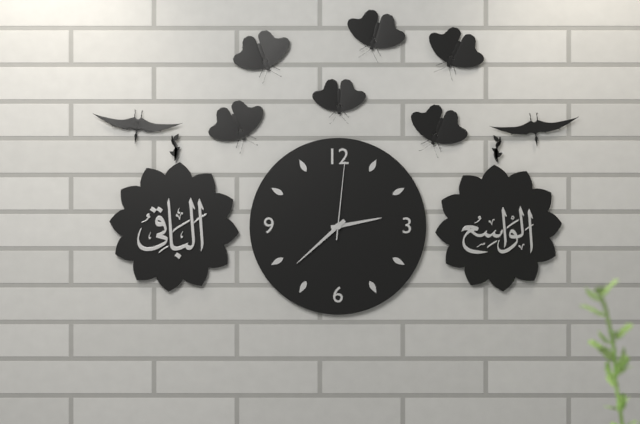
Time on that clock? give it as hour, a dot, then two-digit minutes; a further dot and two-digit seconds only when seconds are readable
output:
2.38.01
